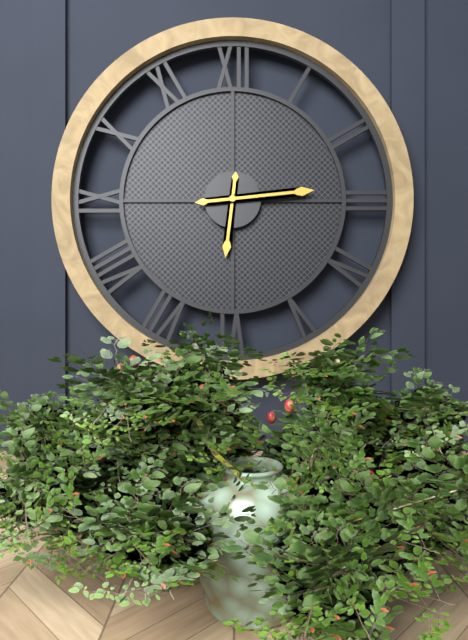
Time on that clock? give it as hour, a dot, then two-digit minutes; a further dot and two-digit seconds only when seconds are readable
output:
6.14
